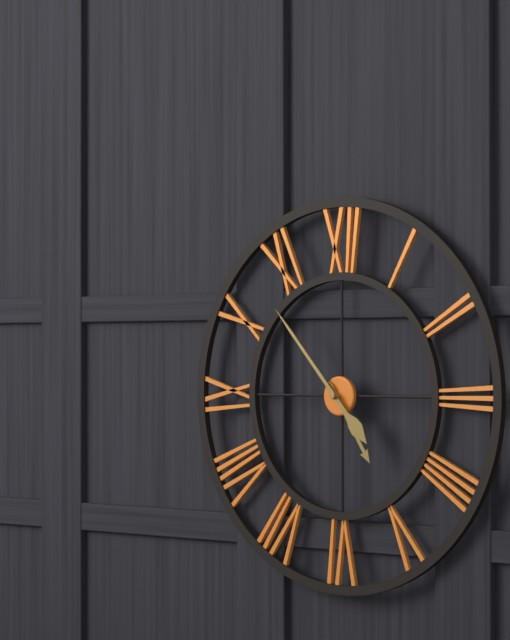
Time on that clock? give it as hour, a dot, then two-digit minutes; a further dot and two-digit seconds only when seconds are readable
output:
4.53
